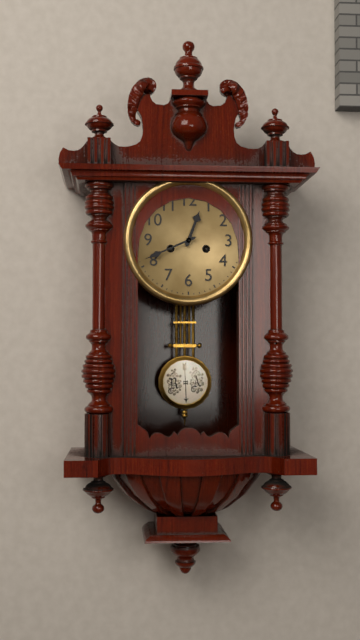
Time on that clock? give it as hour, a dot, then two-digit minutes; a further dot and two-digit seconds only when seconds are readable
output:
12.41
